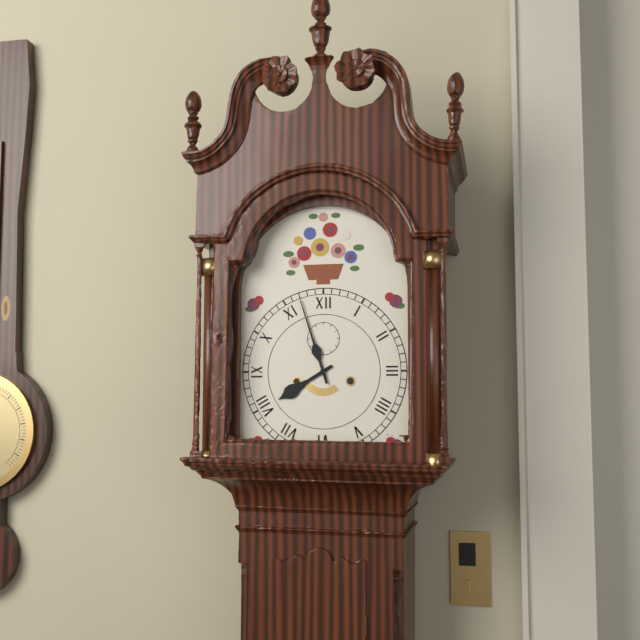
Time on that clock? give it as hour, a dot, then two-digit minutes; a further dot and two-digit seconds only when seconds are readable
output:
7.57
